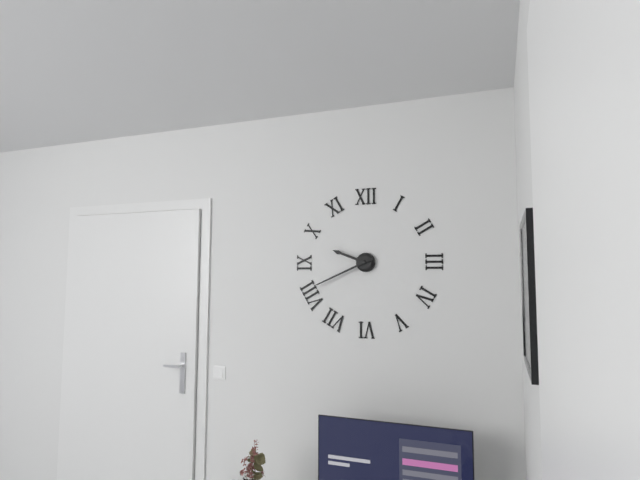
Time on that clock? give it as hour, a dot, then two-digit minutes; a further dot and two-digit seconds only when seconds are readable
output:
9.41
